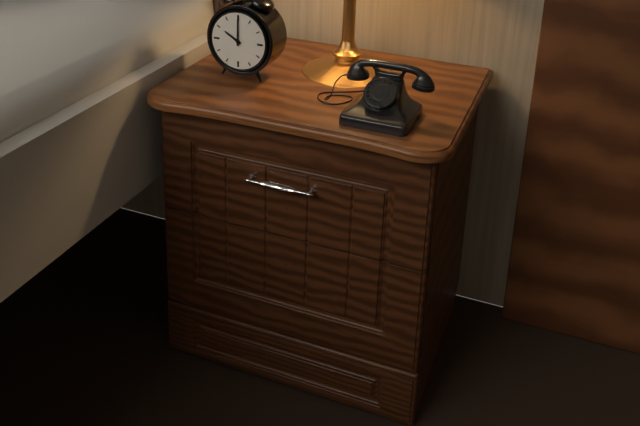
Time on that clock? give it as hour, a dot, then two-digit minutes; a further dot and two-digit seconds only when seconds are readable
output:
10.00
